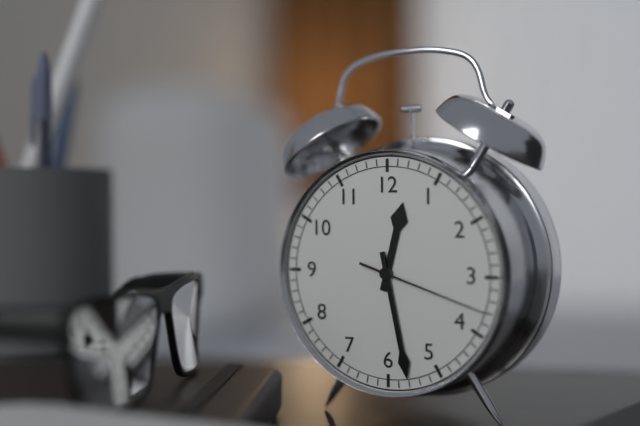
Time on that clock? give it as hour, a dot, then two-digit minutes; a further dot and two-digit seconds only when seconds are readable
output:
12.28.18
